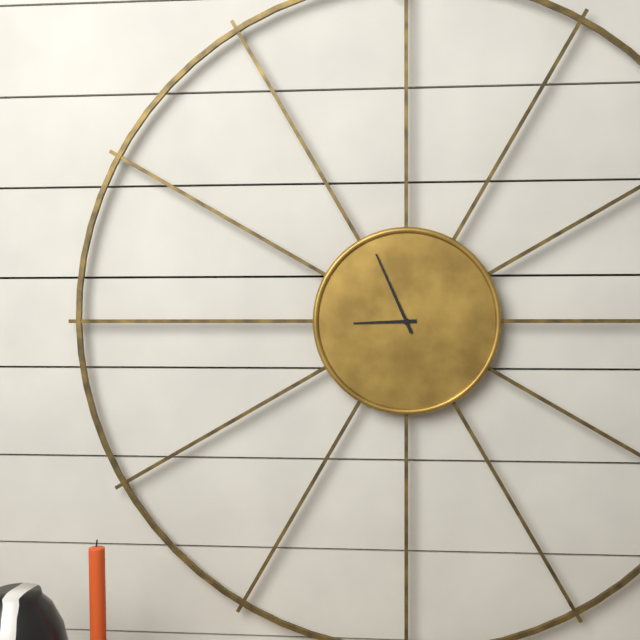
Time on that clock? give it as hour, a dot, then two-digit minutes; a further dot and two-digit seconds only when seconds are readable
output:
8.56
